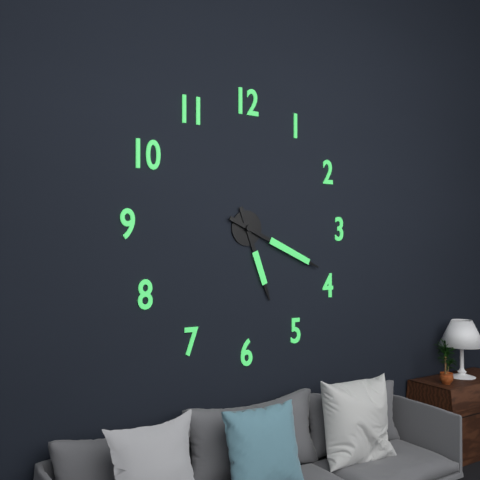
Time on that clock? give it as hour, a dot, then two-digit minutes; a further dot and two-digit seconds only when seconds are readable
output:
5.19
